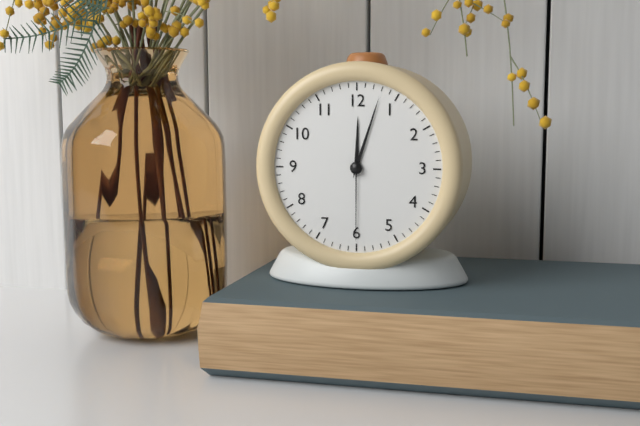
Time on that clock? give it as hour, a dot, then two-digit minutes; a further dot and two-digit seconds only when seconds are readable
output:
12.03.30
